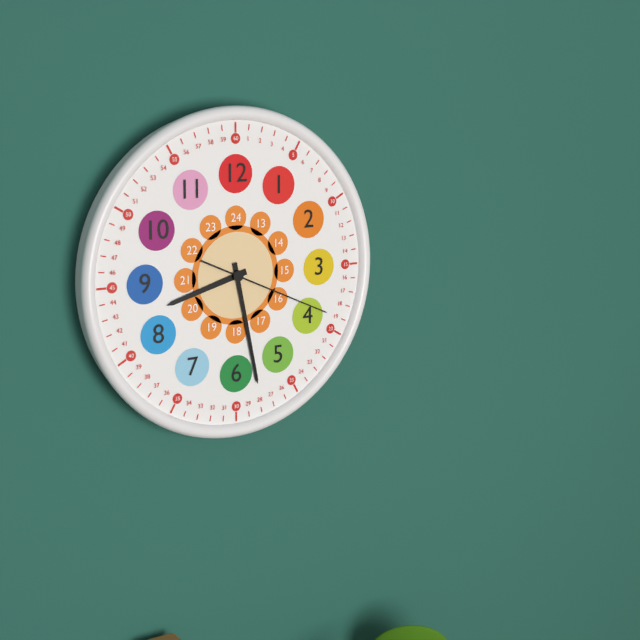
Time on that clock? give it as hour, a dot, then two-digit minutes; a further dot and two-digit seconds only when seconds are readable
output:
8.28.19
